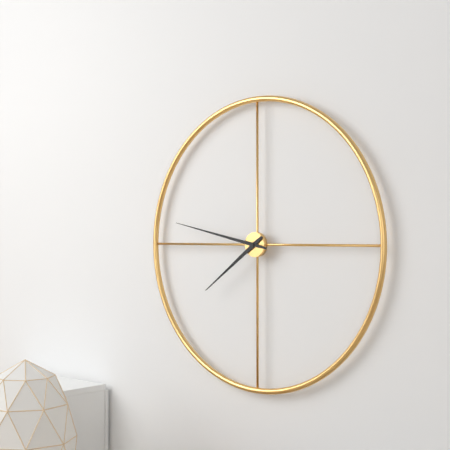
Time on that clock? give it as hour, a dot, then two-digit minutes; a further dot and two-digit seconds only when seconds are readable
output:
7.47
